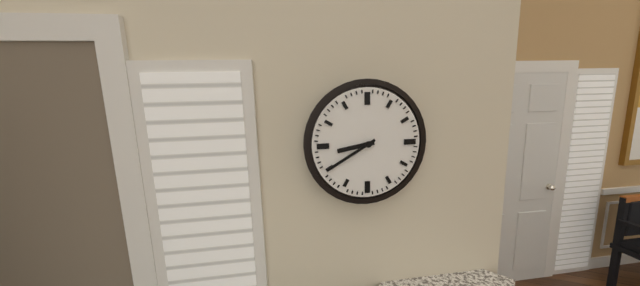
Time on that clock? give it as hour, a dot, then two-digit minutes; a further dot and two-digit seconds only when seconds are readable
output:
8.40
